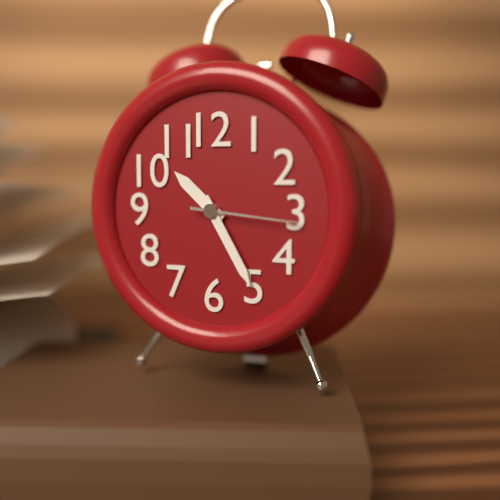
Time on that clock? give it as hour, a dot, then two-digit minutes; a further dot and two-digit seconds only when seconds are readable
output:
10.25.16
